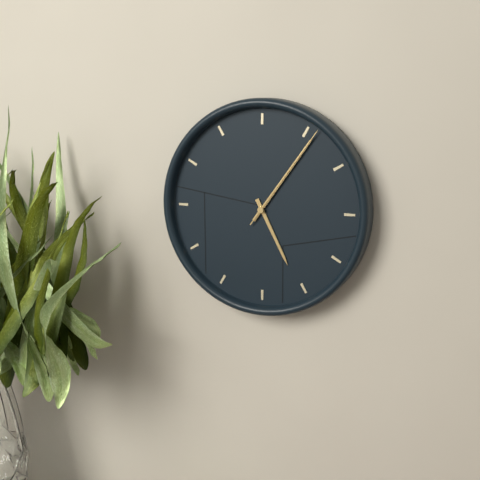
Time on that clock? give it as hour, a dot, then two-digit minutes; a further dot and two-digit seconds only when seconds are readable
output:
5.06.06
